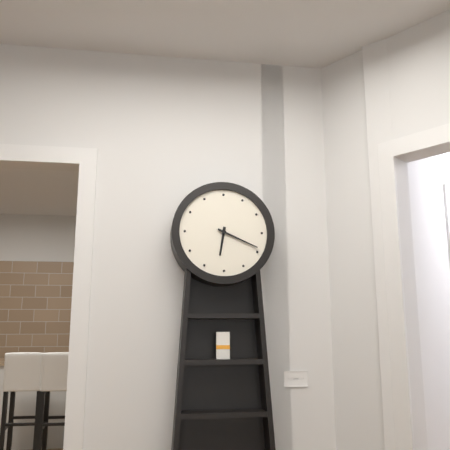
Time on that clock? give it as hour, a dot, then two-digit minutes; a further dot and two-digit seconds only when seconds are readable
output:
6.19
